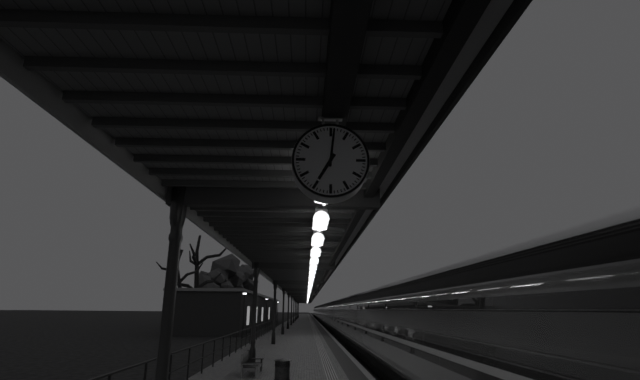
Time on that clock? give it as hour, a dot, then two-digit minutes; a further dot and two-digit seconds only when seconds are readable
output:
7.01
